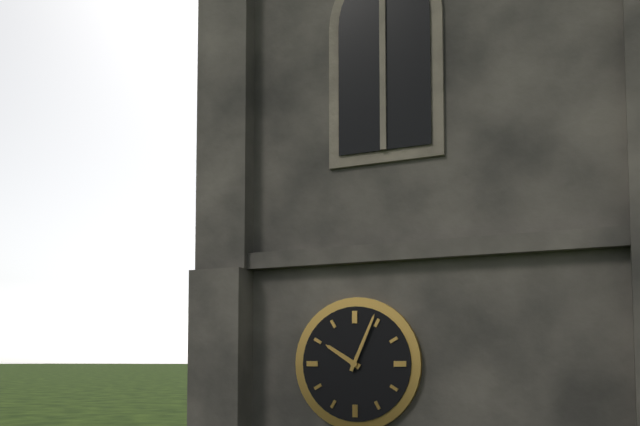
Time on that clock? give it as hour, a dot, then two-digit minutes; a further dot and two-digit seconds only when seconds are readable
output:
10.04
